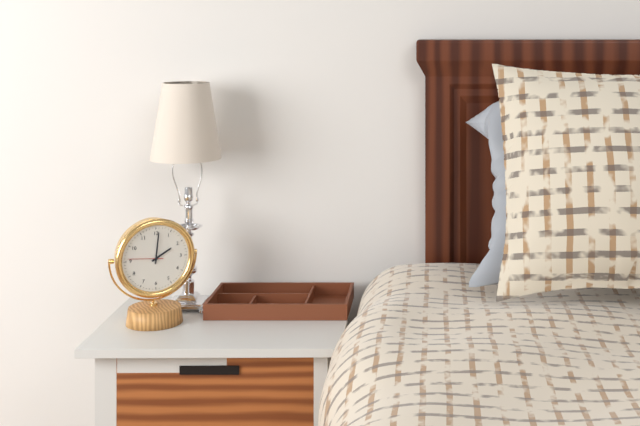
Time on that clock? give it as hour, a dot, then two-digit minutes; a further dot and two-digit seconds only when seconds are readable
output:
2.01
